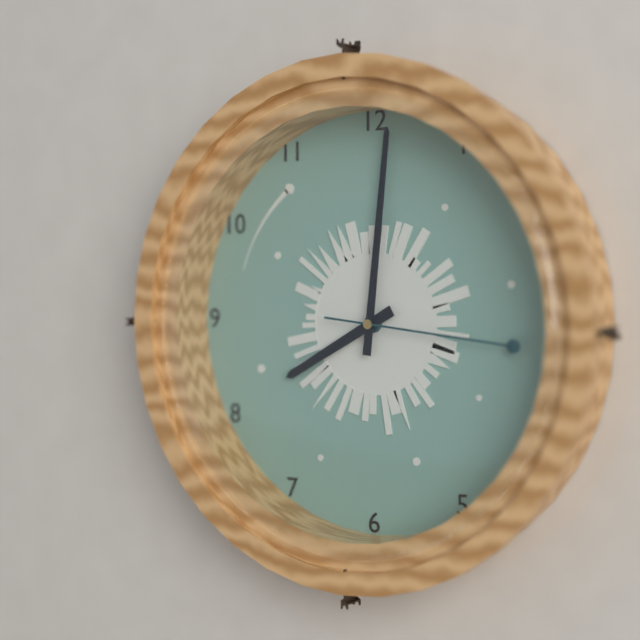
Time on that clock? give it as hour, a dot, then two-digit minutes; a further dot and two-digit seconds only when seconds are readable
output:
8.01.16
